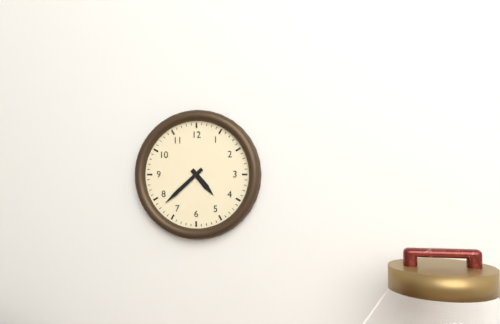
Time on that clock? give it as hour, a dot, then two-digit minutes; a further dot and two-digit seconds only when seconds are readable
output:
4.38
